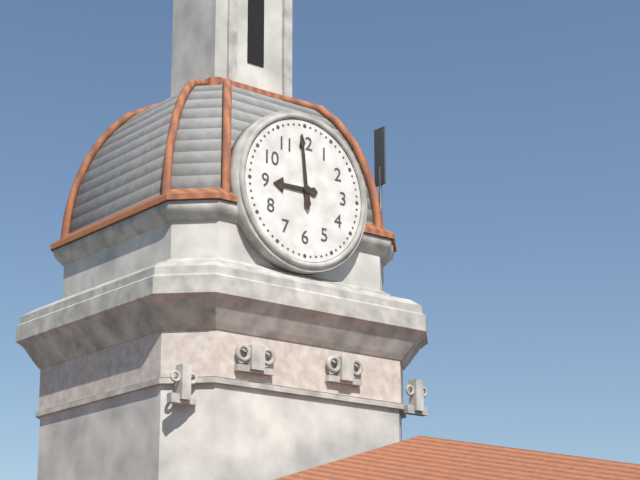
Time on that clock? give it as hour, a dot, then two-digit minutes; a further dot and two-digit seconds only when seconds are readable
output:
8.59
